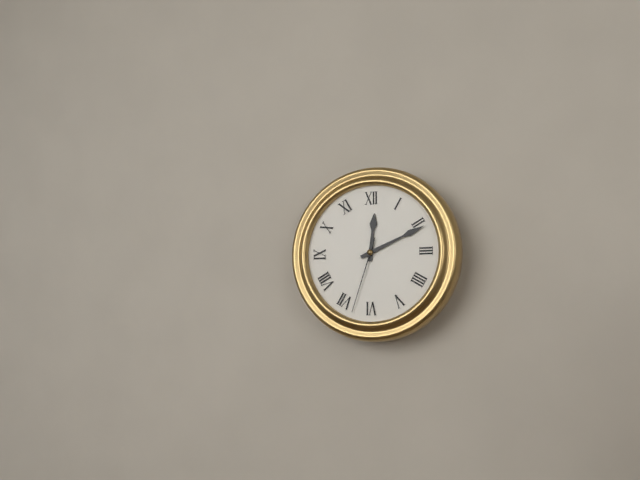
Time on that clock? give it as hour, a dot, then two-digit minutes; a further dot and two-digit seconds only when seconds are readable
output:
12.11.33
